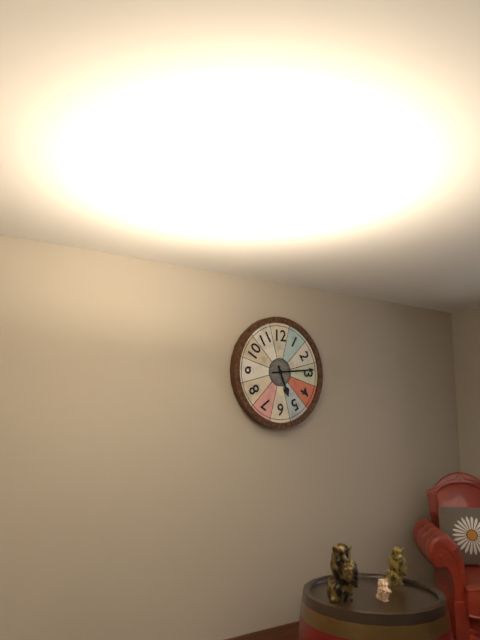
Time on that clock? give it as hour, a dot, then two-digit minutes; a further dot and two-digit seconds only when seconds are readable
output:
5.14
